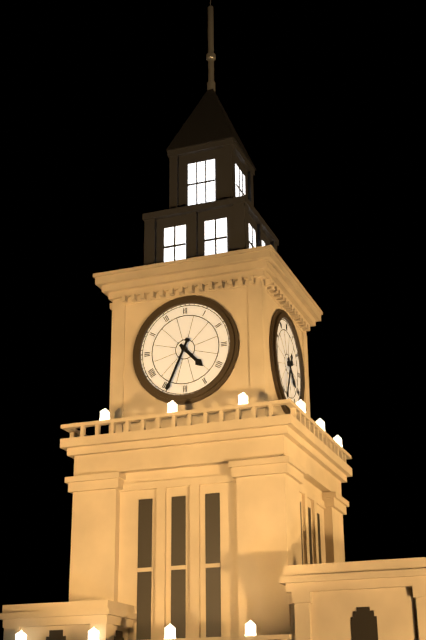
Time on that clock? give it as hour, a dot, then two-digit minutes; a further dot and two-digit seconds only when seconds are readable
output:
4.34
